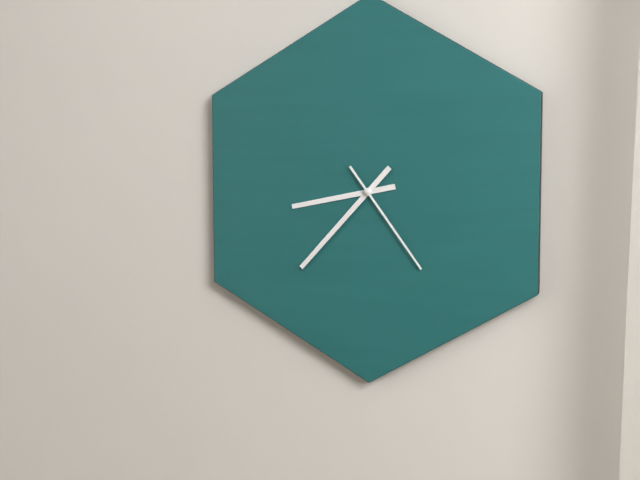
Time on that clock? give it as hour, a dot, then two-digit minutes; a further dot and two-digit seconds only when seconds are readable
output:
8.37.24
